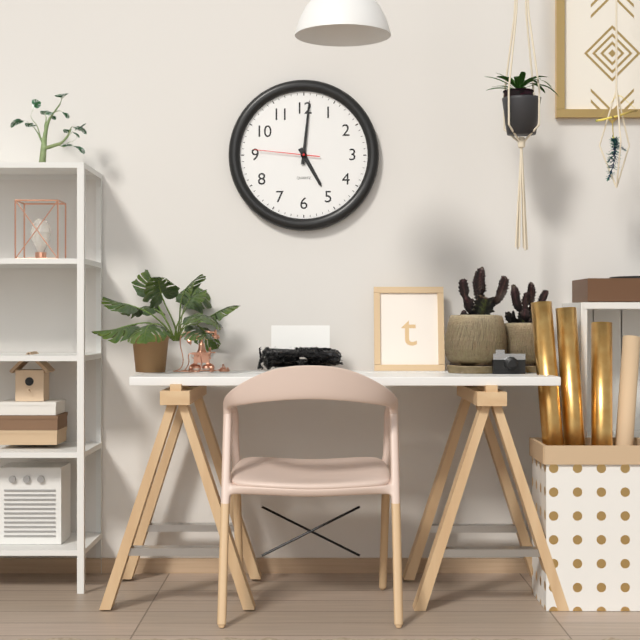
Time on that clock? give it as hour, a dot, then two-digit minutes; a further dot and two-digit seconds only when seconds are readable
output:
5.01.46
